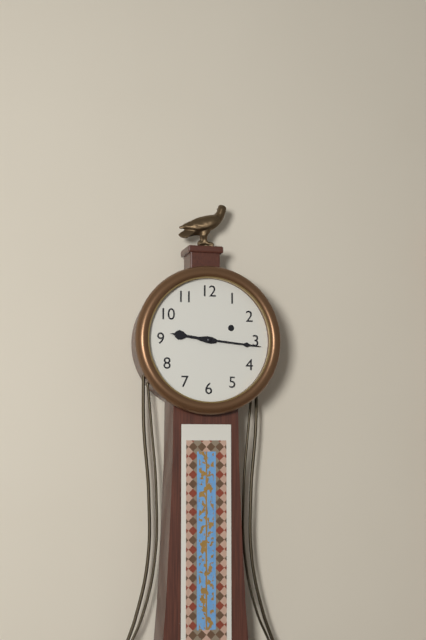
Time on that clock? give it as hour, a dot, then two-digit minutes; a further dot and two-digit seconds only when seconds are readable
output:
9.16
